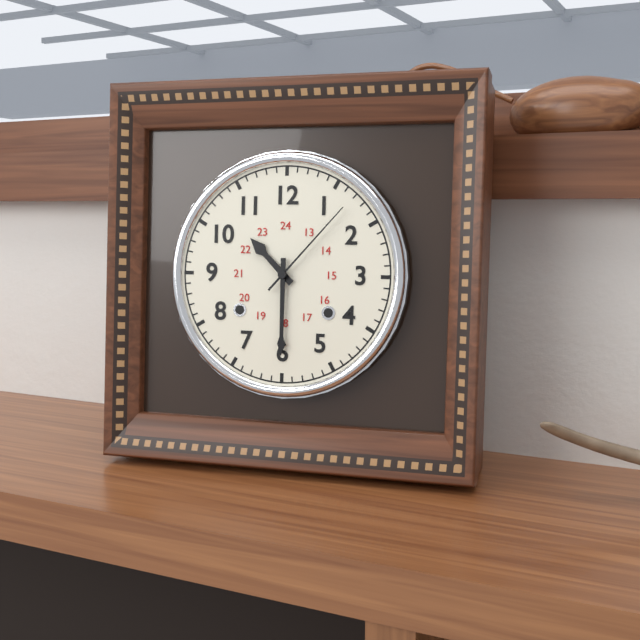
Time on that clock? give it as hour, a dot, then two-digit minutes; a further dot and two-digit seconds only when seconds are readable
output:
10.30.07
